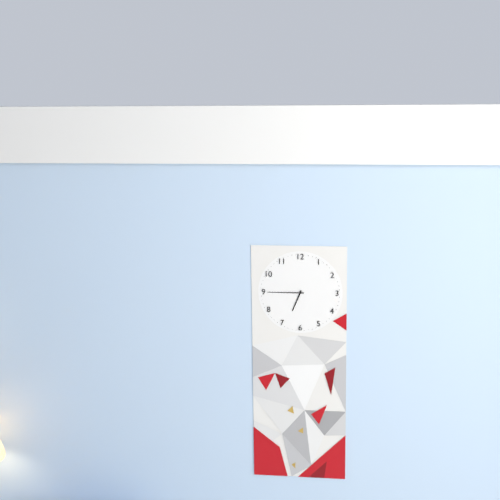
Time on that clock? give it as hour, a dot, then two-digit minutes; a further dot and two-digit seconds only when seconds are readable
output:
6.45
